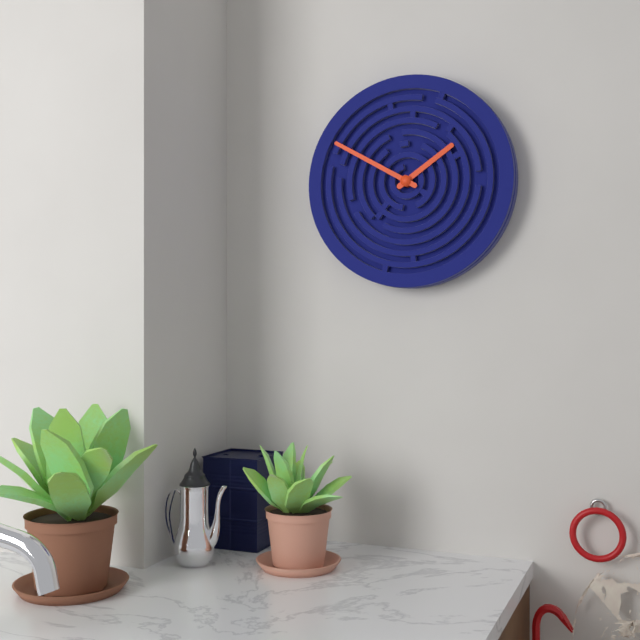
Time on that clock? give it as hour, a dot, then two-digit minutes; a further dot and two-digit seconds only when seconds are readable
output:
1.50
